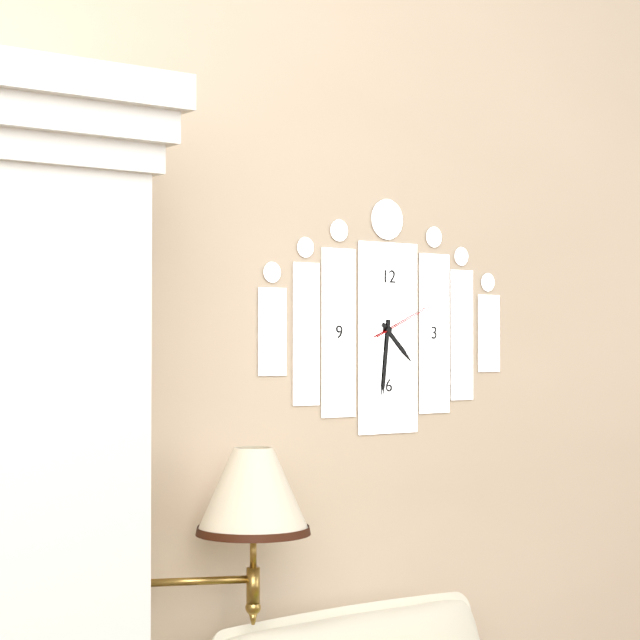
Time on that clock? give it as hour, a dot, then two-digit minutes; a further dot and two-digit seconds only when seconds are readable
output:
4.31.11
